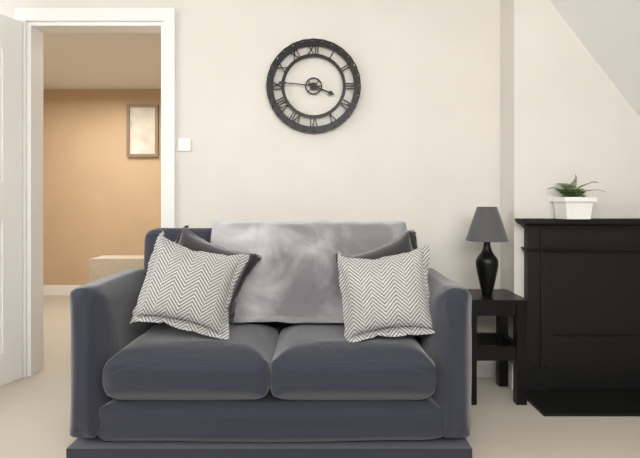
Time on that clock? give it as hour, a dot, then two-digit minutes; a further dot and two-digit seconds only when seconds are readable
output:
3.46
